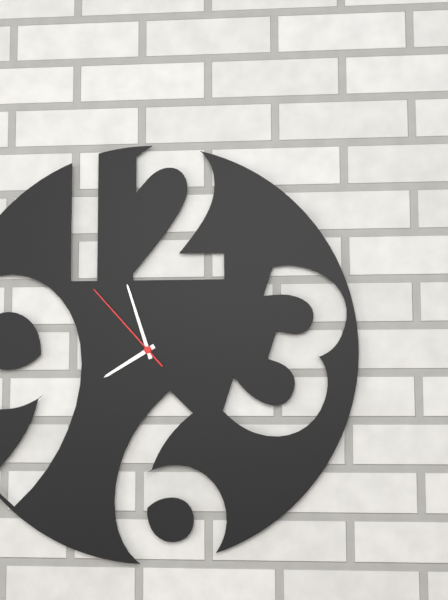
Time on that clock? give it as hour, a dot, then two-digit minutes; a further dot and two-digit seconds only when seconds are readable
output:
7.57.53
